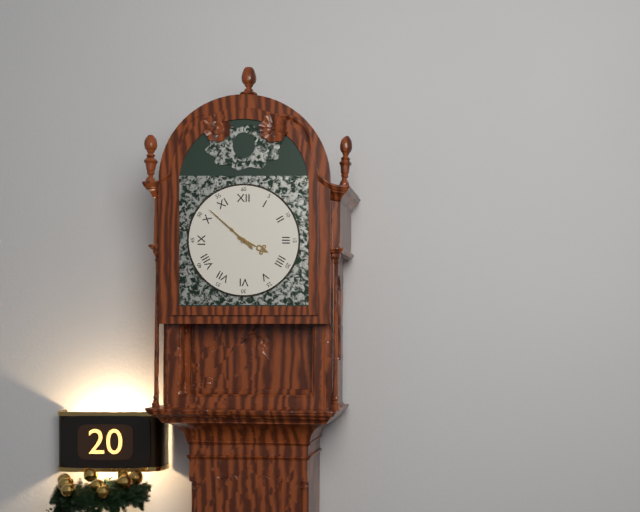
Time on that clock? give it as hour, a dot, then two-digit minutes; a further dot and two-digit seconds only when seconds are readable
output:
3.52
